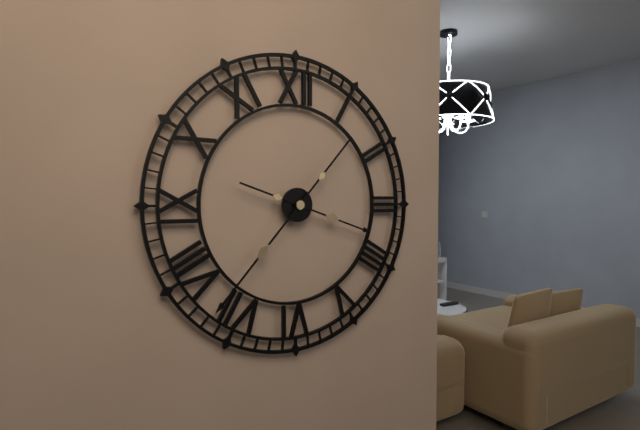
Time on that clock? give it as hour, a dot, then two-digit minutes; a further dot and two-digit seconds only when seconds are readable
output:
3.37
